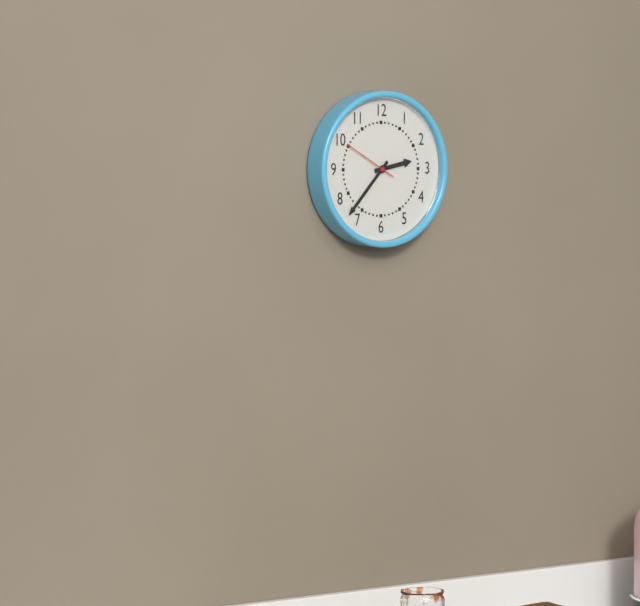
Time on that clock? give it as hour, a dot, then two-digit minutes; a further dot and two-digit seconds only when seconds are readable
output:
2.37.50
